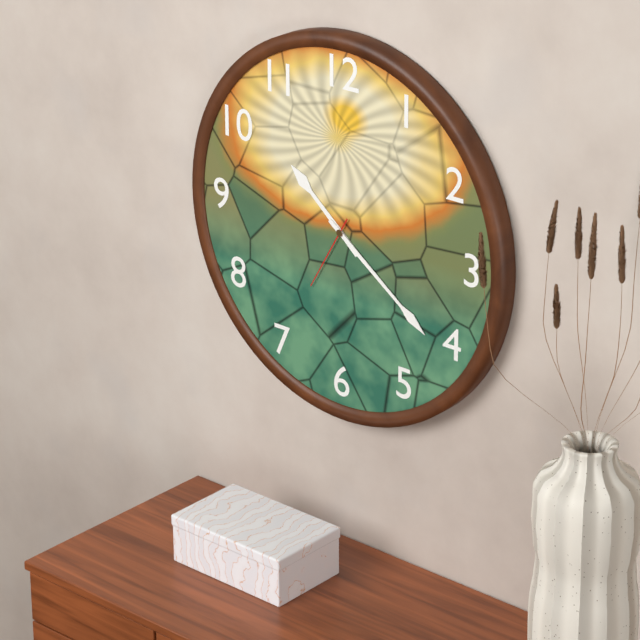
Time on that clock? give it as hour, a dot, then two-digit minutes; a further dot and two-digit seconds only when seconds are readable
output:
10.21.35
